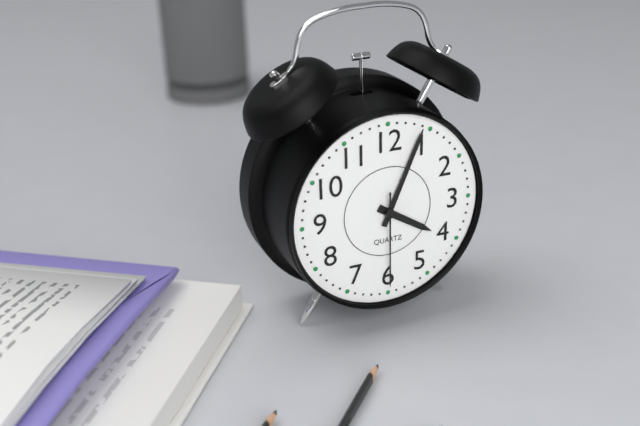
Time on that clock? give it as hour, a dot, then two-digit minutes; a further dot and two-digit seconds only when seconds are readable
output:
4.04.30
